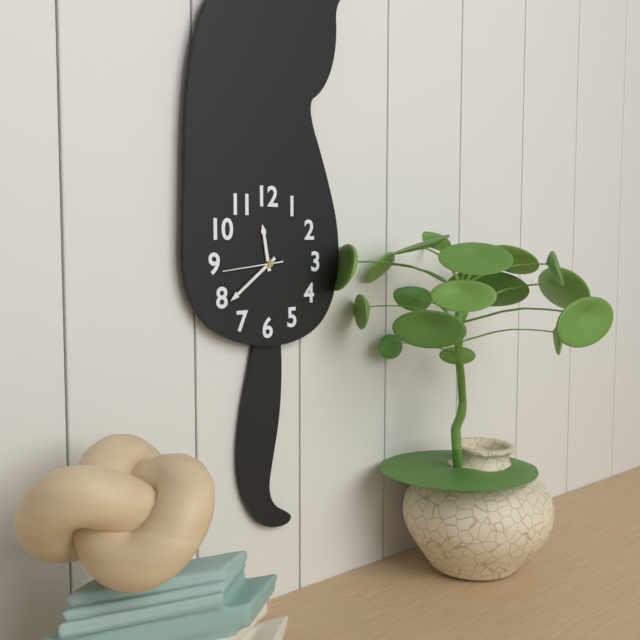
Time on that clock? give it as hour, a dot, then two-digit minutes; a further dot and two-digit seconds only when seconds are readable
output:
11.39.44
